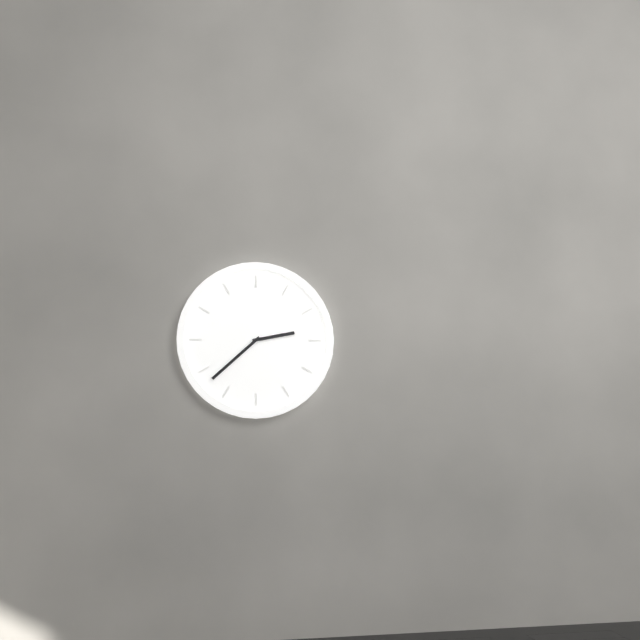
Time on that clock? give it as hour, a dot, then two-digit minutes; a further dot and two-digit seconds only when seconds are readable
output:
2.38
